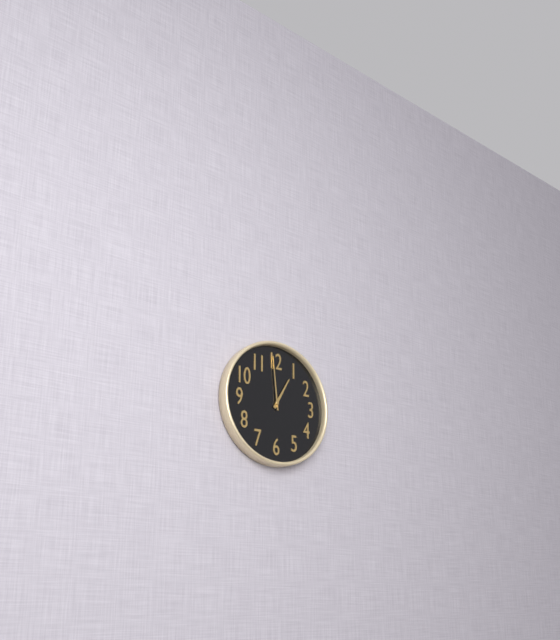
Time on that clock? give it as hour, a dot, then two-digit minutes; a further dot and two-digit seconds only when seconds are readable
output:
12.59
